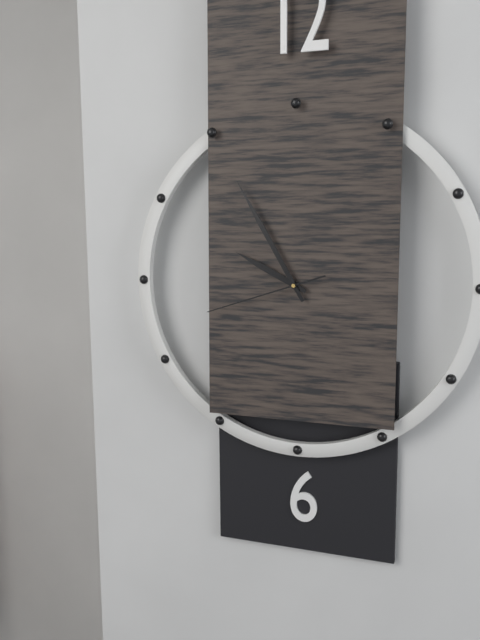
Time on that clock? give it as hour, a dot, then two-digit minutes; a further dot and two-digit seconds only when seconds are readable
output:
9.55.42
